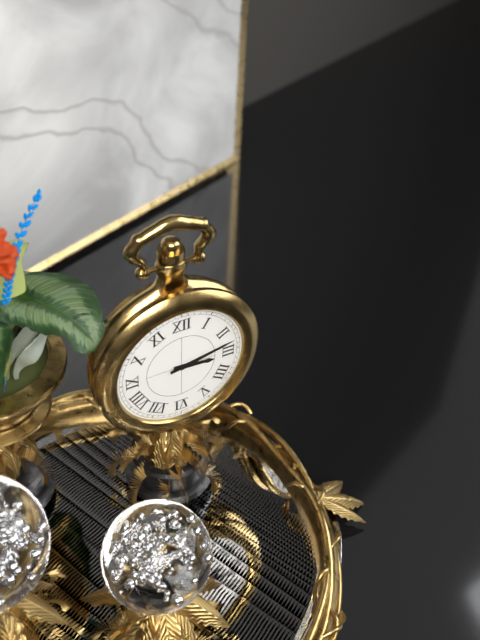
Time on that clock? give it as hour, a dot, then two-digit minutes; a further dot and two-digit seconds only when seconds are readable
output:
3.13
